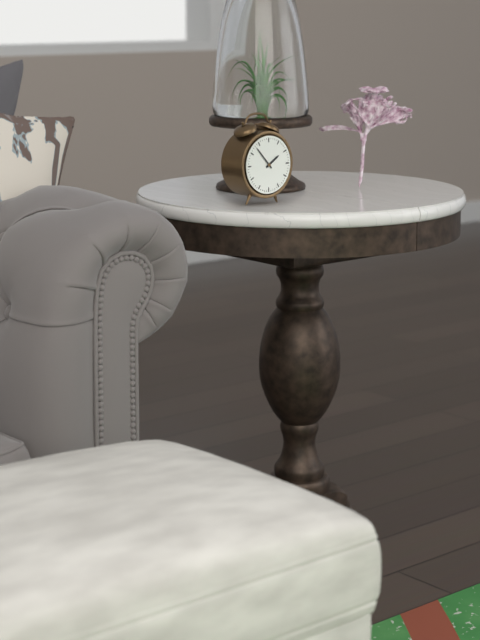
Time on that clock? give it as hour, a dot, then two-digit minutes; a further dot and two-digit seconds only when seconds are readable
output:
1.53
